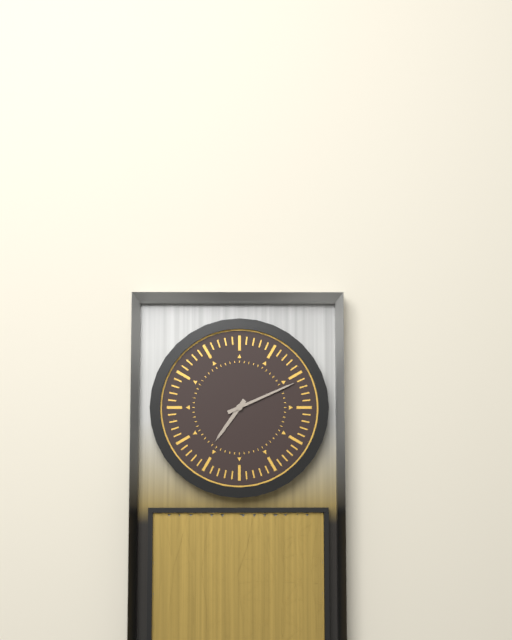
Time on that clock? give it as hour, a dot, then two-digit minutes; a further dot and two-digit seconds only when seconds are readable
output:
7.11
